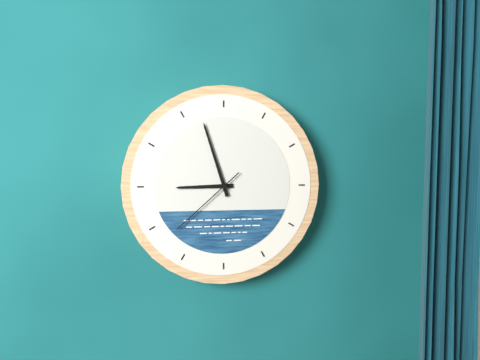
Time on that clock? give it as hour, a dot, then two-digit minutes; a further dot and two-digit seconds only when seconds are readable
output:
8.57.38
